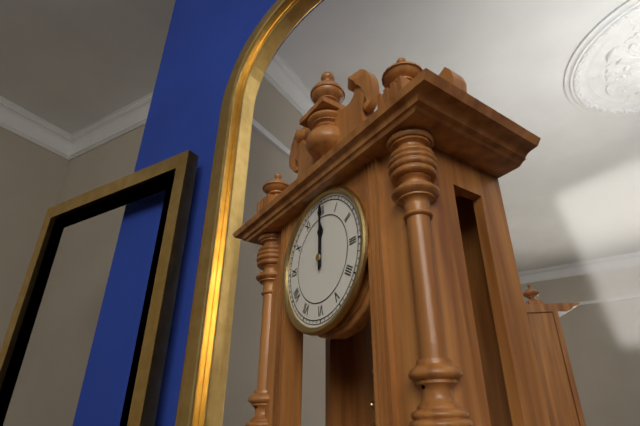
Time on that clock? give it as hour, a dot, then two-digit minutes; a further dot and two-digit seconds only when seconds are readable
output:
12.00
